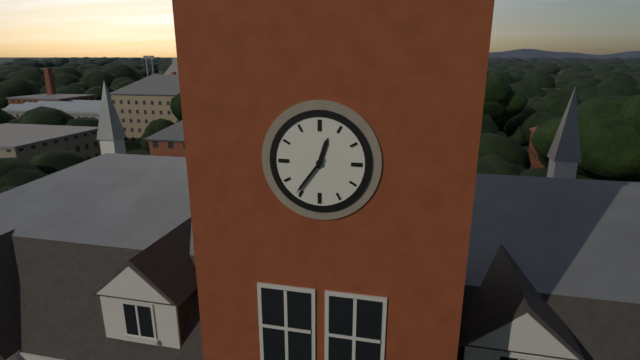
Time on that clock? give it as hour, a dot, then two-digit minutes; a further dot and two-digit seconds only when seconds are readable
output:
12.36
